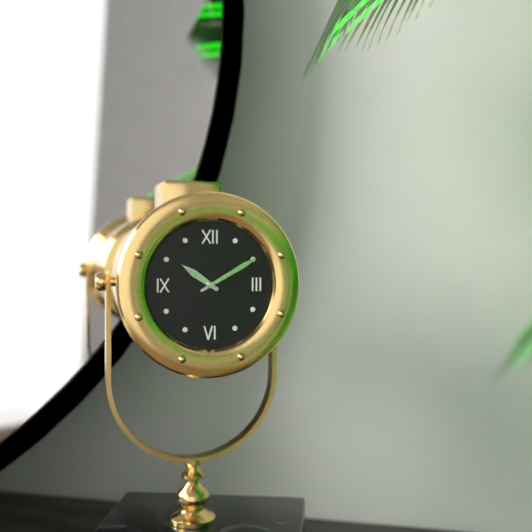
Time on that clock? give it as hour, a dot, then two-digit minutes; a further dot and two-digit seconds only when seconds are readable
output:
10.10
